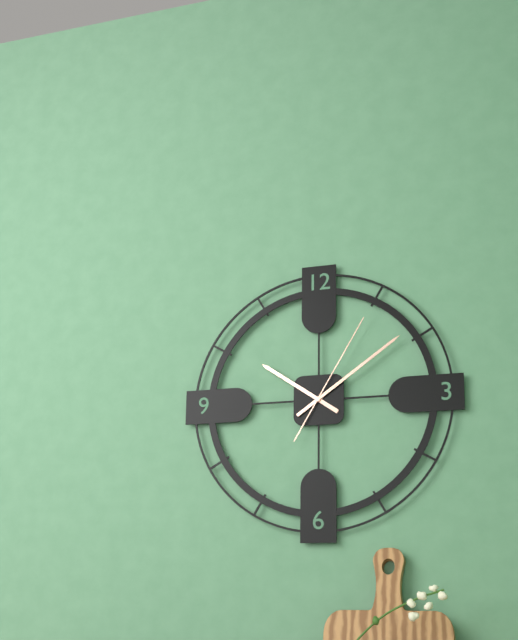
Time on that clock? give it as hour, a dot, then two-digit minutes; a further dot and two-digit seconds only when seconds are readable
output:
10.09.05
